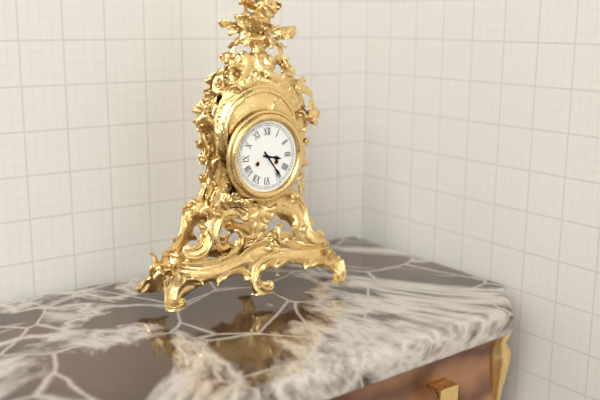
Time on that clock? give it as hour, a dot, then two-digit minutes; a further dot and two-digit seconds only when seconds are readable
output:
3.24
